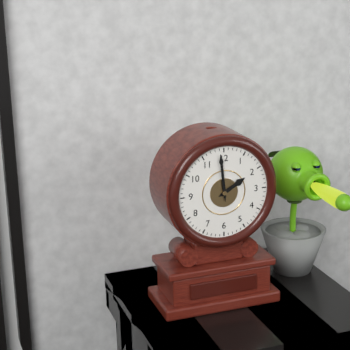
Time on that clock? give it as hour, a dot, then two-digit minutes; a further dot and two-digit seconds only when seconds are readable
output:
1.59
